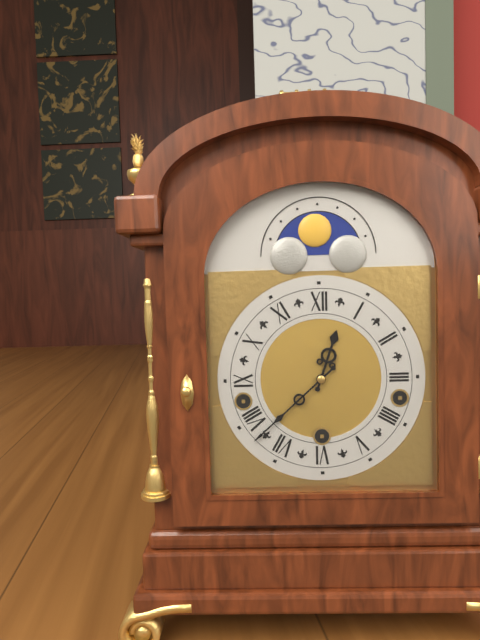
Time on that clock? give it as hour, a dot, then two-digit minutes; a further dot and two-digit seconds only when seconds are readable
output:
12.38
